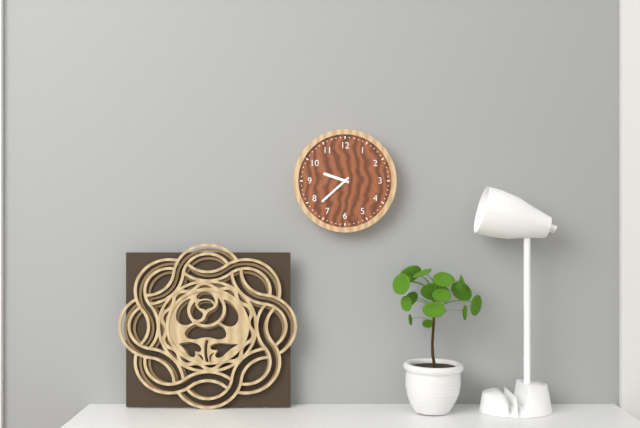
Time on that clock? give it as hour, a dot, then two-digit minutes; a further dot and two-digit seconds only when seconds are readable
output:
9.38
